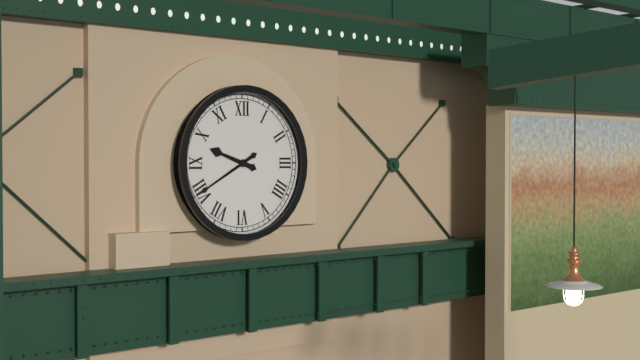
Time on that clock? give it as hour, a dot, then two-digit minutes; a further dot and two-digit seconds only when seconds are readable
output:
9.40
